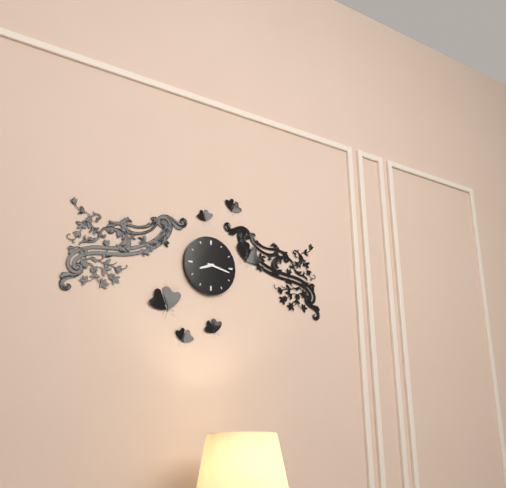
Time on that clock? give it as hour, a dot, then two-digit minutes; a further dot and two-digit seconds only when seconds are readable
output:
8.17
